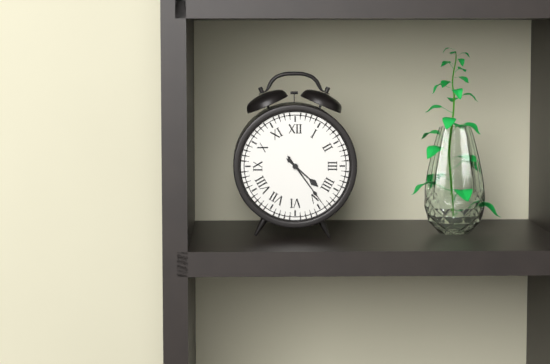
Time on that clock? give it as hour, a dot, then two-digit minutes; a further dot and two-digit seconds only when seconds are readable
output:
4.24
